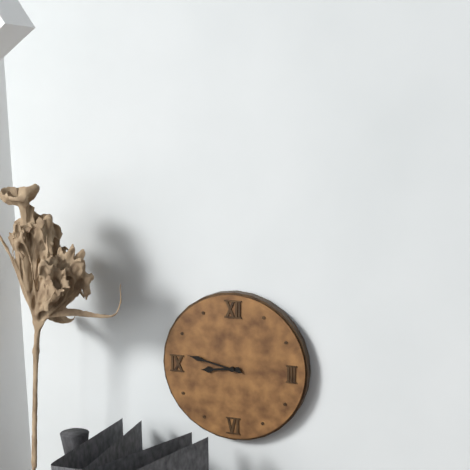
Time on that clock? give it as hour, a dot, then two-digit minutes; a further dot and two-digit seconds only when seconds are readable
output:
8.47
